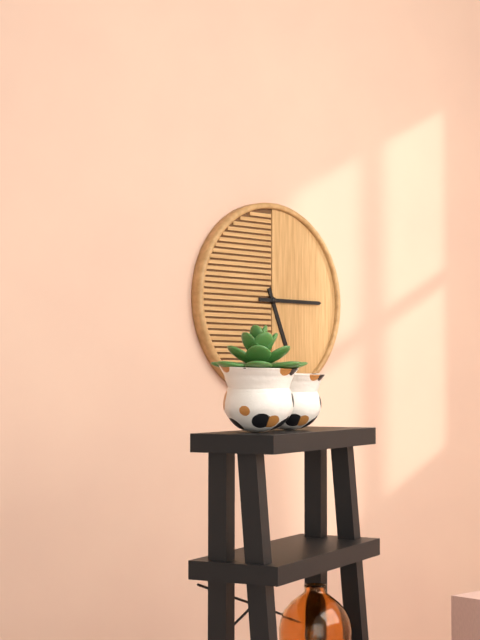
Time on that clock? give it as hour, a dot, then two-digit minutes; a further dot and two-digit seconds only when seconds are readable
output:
5.15
